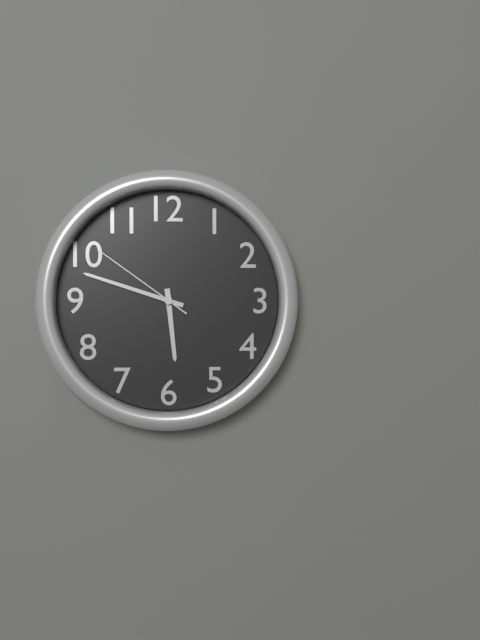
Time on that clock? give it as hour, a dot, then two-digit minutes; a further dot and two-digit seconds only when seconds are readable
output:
5.48.51
